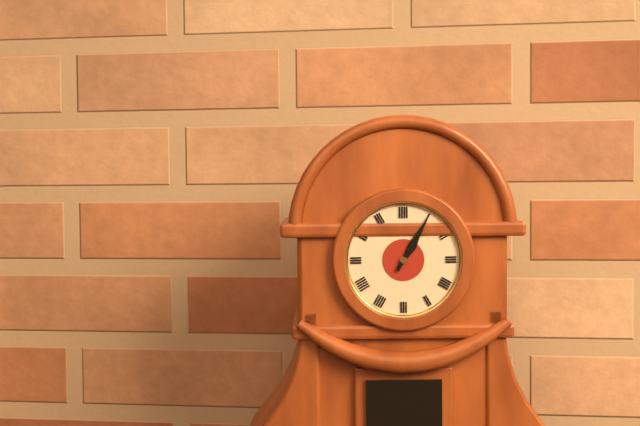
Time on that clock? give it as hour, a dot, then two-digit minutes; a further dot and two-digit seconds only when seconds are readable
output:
1.05
